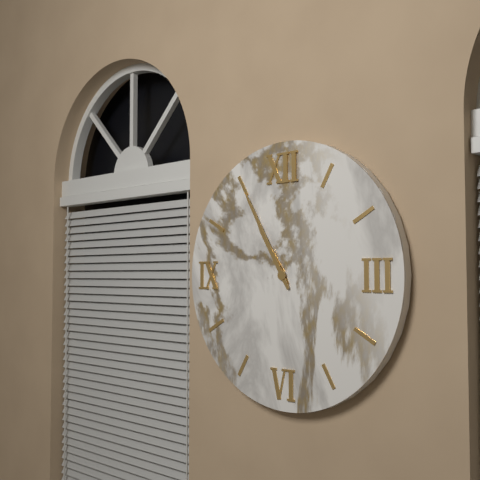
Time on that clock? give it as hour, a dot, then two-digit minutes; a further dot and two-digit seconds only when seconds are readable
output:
10.55
